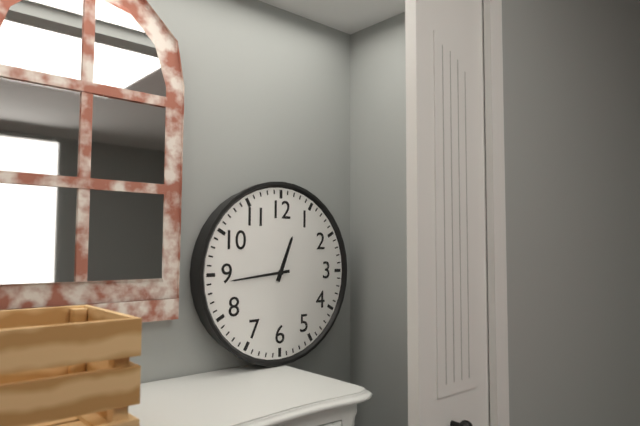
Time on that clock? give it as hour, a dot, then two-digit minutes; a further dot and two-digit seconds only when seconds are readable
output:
12.44
